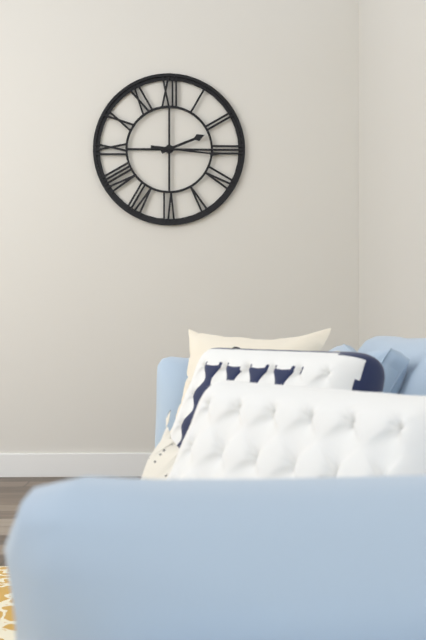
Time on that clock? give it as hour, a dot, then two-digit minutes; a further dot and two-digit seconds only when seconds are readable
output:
2.16
